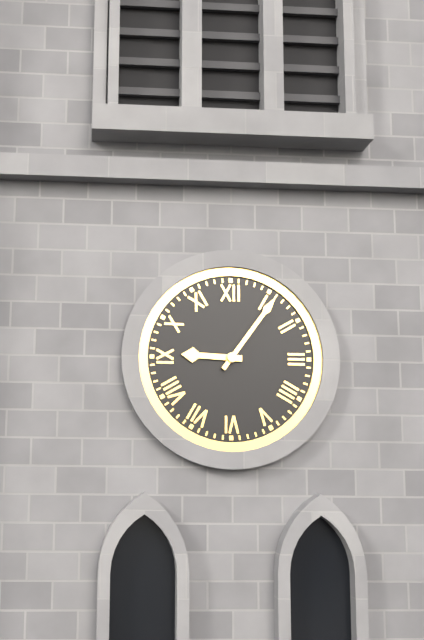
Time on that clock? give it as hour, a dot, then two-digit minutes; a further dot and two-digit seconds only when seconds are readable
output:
9.06
